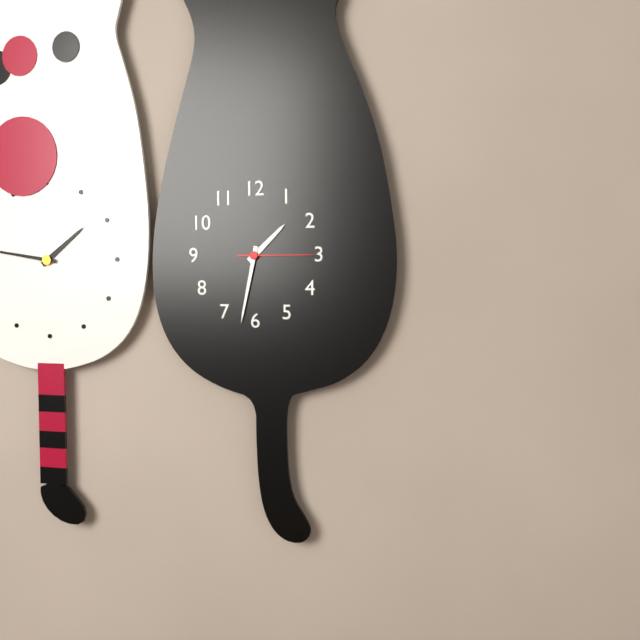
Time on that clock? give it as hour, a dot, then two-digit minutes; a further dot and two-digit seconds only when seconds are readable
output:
1.32.15
